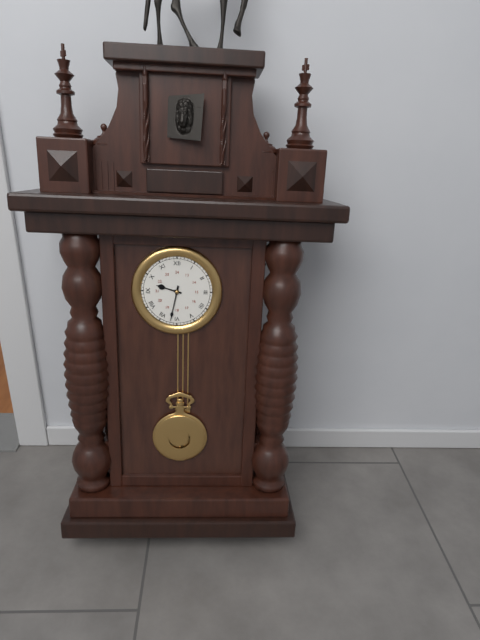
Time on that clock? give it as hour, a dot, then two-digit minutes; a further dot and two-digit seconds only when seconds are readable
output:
9.32
